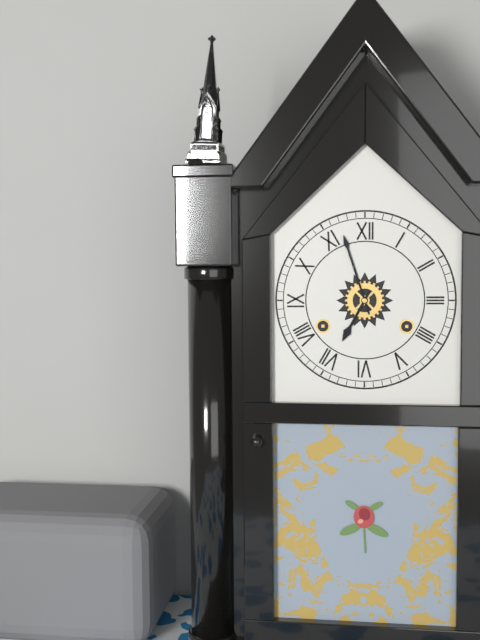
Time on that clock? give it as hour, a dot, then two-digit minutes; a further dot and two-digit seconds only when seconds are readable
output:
6.57
